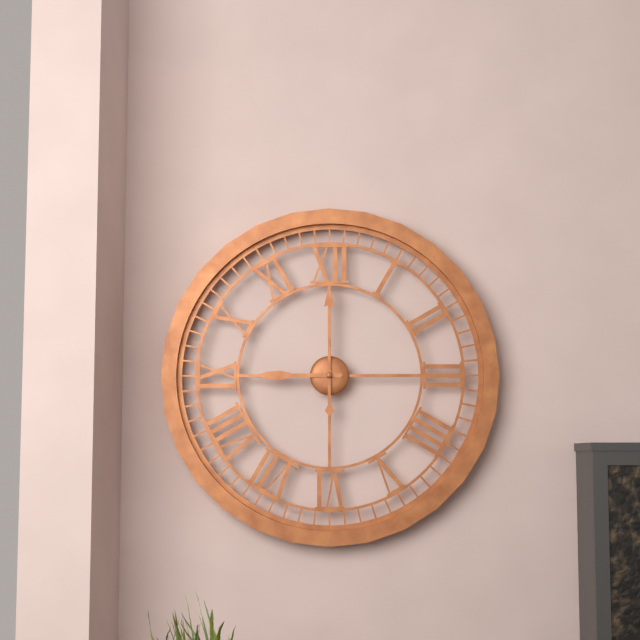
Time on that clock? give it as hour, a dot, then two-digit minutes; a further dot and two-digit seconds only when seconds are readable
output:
9.00
